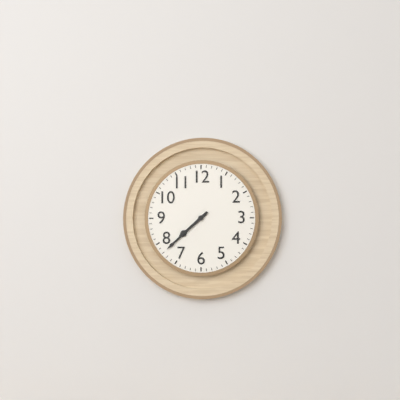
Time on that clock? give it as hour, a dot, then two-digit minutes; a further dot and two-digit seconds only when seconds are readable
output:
7.38
